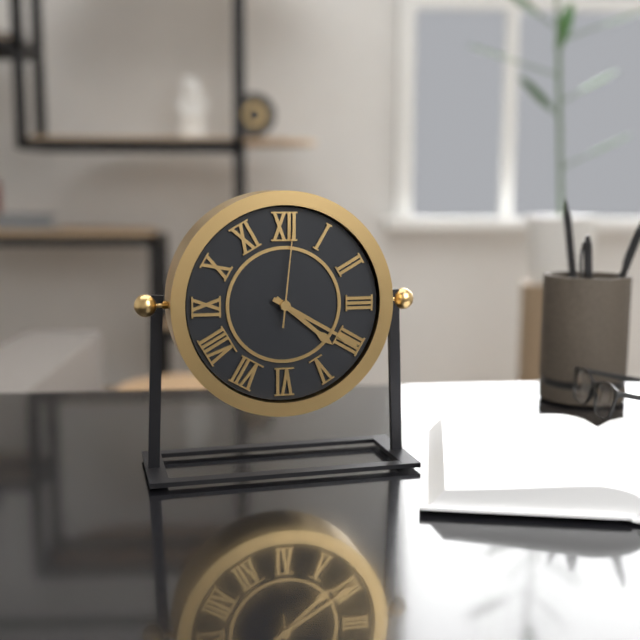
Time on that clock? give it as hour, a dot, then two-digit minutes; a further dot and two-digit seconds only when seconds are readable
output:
4.20.01
